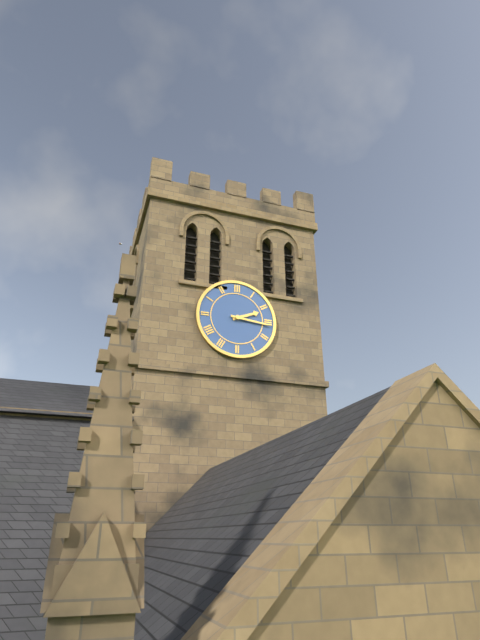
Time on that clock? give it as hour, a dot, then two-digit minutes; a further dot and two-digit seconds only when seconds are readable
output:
2.16
